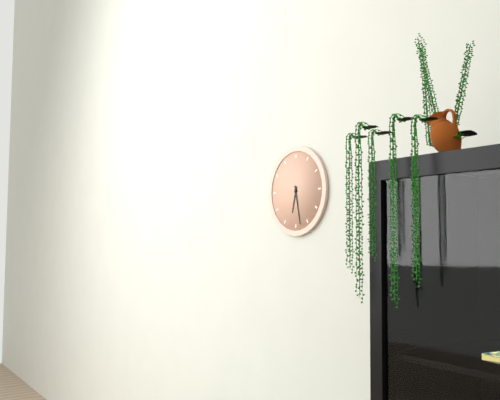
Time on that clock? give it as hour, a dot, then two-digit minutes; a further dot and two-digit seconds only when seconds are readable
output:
6.28
